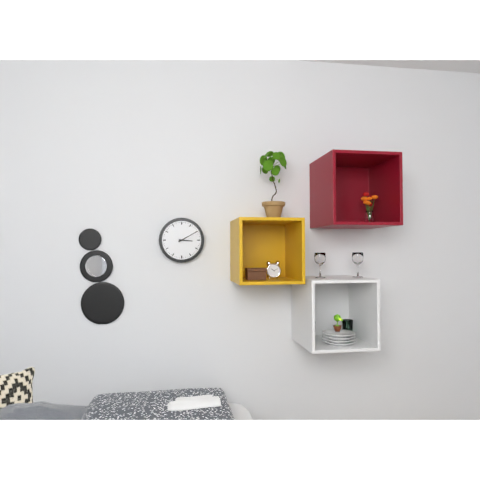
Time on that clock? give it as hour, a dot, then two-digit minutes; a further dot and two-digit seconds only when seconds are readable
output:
3.10
